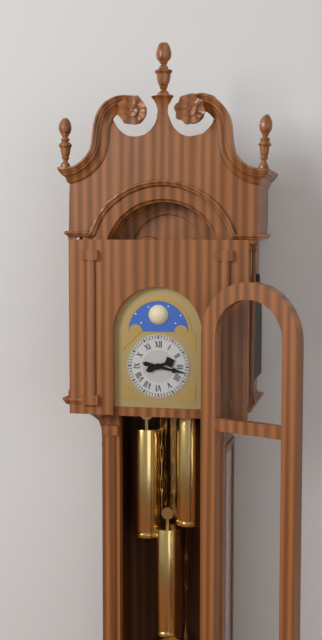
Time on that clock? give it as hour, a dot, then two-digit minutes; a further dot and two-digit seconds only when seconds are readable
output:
2.17
